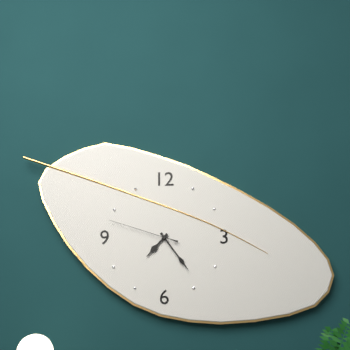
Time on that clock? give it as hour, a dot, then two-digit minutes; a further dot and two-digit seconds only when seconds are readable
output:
7.24.48
